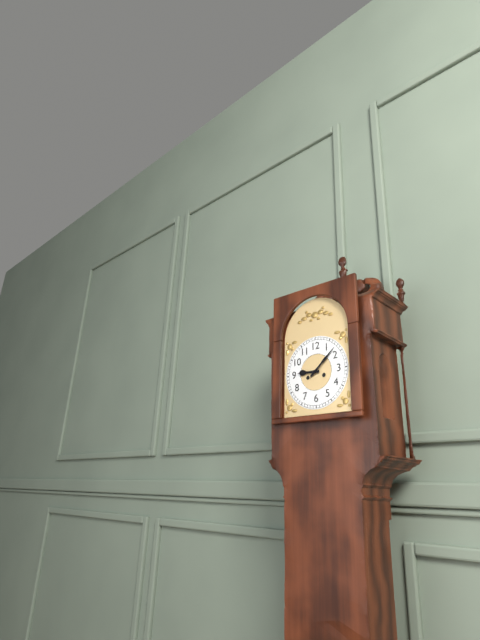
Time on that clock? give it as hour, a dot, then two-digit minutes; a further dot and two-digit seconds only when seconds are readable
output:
9.08
